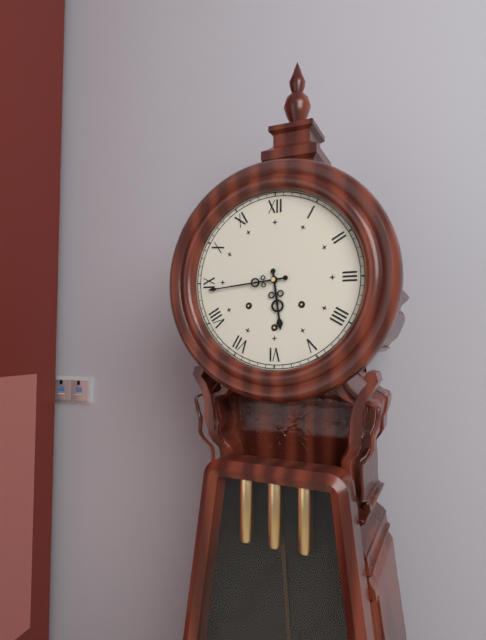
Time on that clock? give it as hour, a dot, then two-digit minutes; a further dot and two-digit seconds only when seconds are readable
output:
5.44
